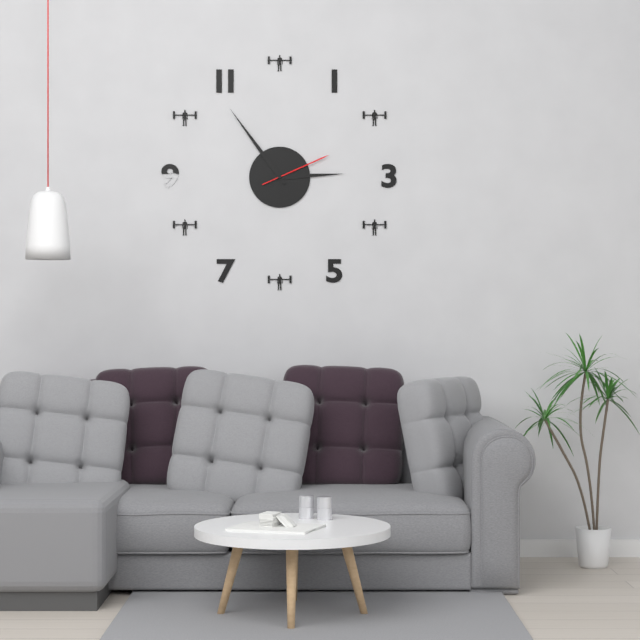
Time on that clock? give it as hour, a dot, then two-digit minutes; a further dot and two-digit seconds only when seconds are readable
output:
2.54.11
